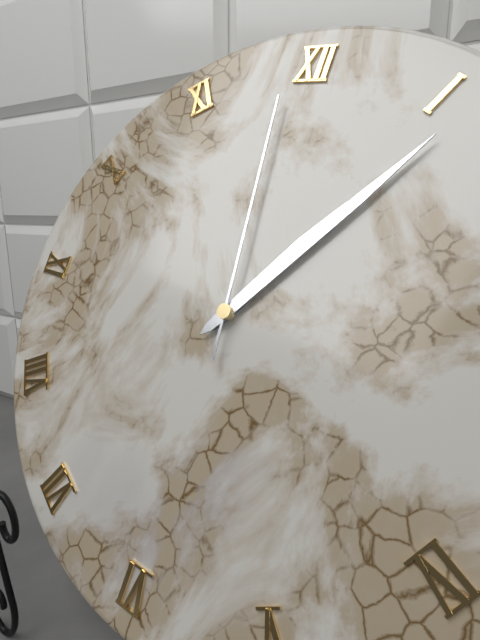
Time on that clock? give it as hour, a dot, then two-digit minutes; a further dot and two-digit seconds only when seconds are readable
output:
1.06.59
